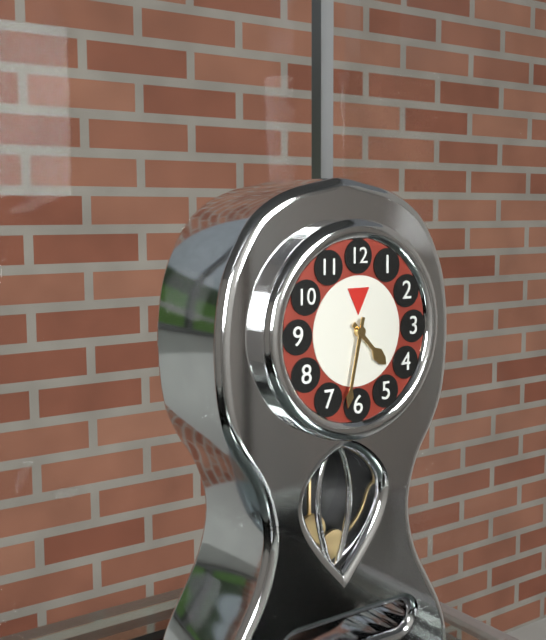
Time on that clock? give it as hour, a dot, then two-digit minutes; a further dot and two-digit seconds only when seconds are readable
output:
4.32
